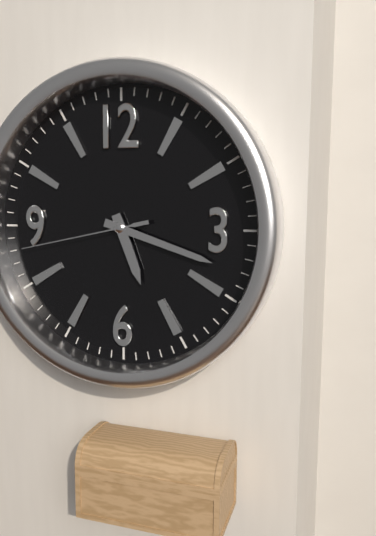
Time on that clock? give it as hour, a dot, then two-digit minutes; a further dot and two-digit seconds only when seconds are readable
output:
5.18.43
